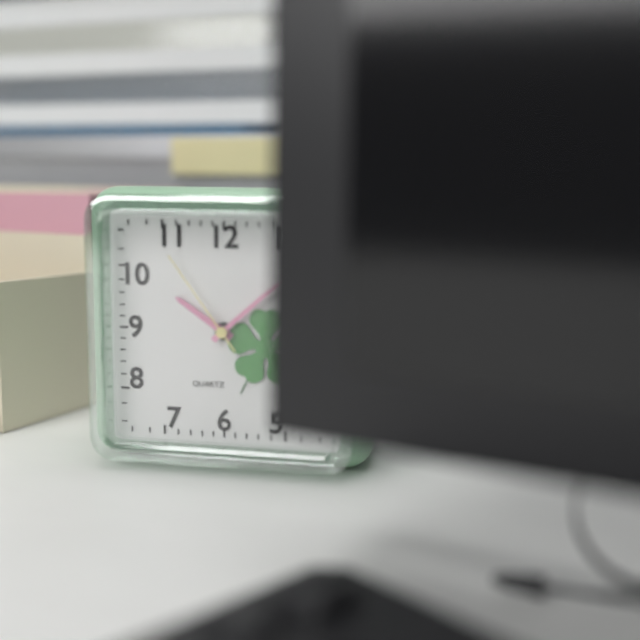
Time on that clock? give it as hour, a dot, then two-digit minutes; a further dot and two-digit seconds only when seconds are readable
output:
10.08.54
